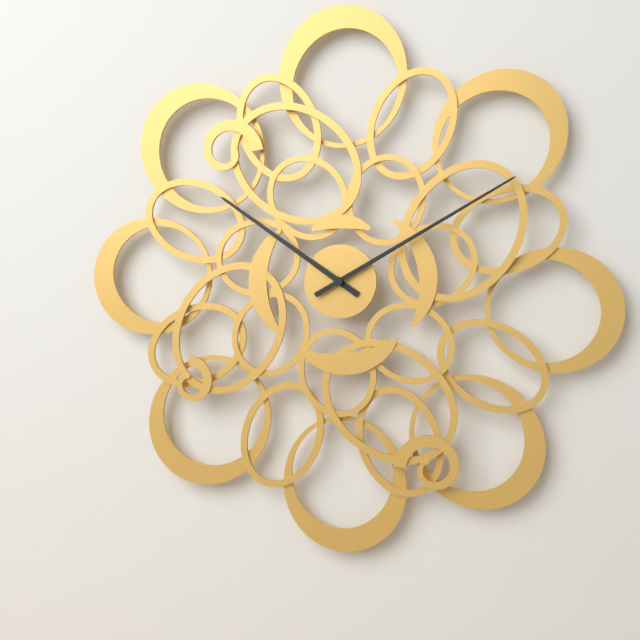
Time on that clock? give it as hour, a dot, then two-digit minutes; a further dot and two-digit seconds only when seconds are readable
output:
10.10
